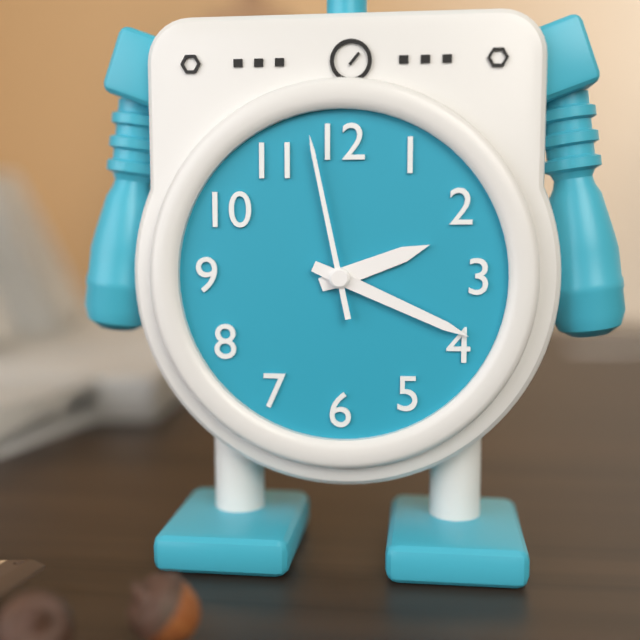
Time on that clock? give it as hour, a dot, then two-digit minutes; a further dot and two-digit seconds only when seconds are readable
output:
2.19.58
